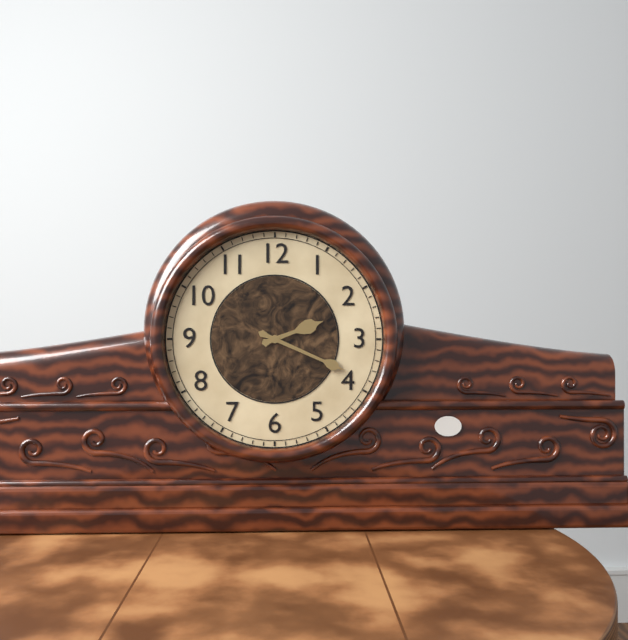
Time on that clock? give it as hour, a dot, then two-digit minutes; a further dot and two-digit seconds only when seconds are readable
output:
2.19
